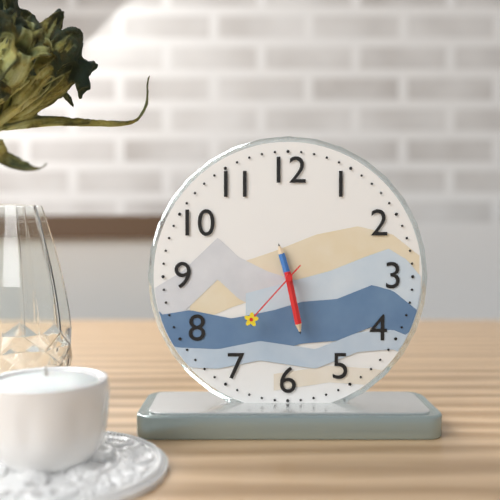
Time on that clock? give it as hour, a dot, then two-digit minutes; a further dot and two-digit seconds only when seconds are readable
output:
11.28.37
